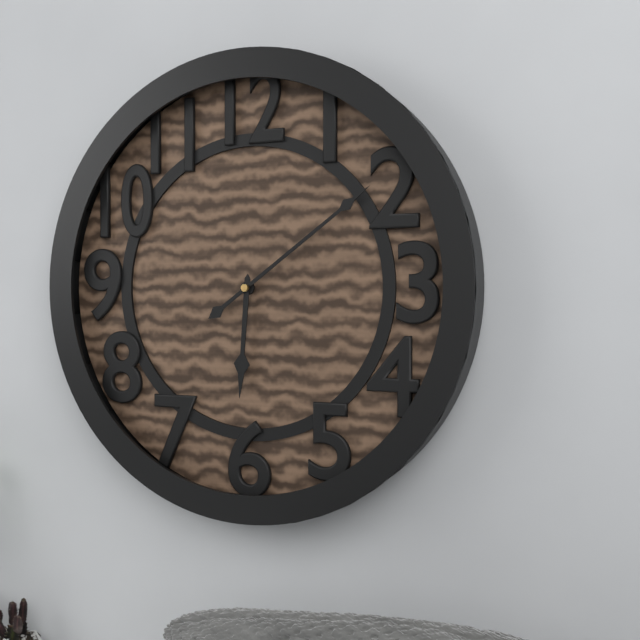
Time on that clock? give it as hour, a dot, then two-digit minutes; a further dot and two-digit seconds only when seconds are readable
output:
6.09
